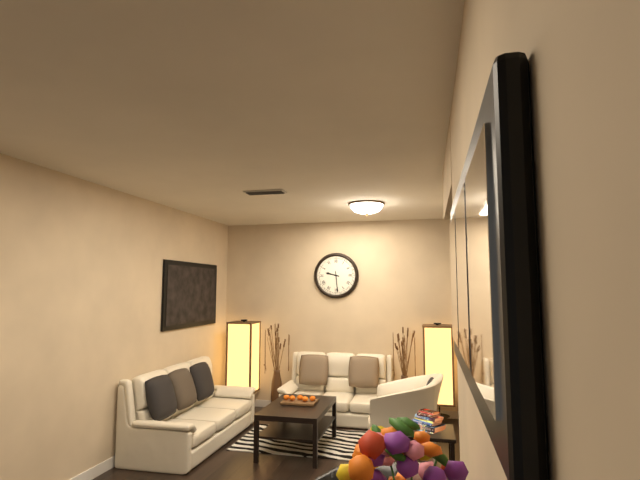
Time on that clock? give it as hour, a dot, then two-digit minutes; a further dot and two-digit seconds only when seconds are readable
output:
9.29
